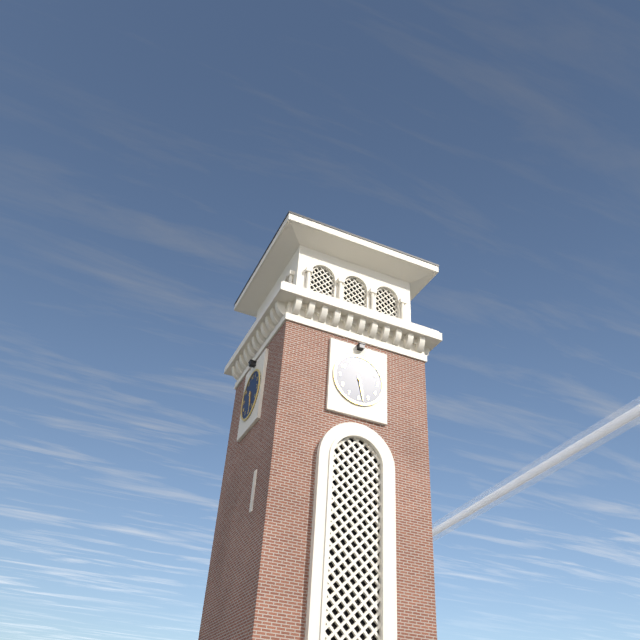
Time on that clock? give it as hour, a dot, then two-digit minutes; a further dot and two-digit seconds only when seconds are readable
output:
5.28
